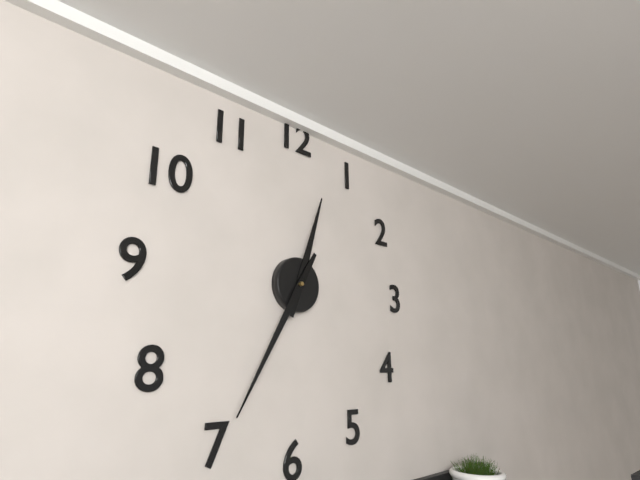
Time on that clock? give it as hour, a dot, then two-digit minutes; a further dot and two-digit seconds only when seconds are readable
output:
12.35
